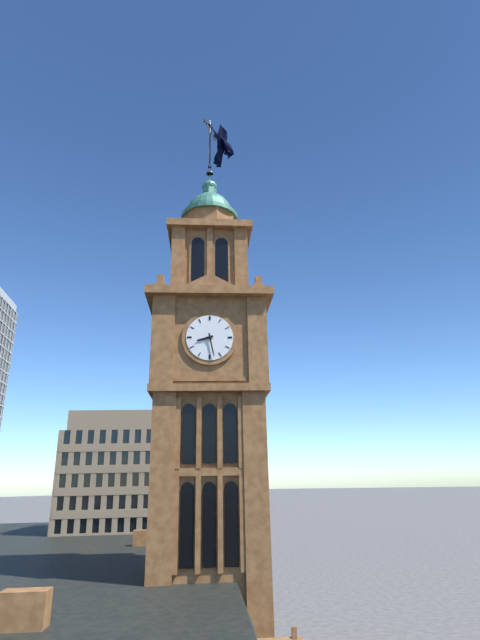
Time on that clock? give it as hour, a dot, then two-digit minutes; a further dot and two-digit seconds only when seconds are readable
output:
8.28
